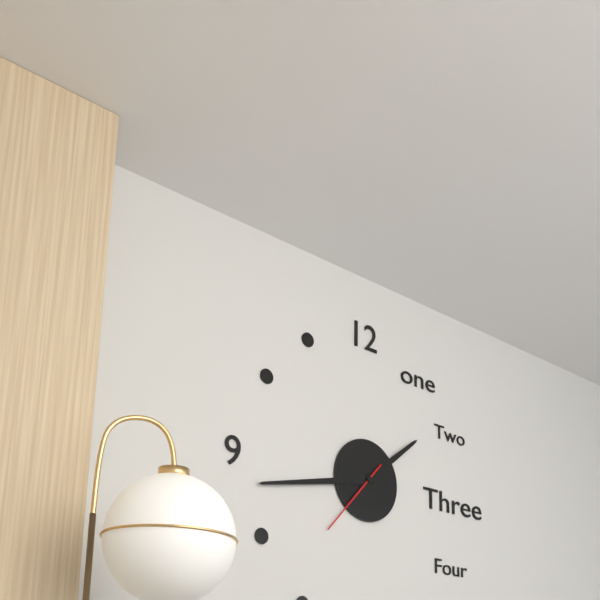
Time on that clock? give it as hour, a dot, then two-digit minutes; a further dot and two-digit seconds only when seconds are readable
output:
1.43.37
